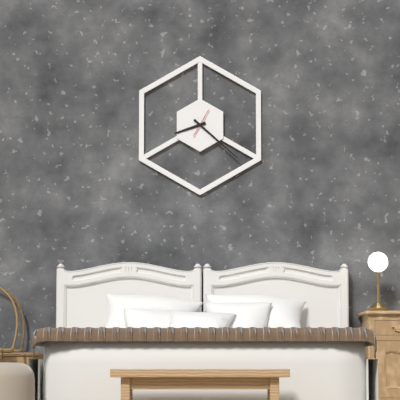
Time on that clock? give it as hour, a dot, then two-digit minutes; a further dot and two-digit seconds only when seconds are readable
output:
8.22
